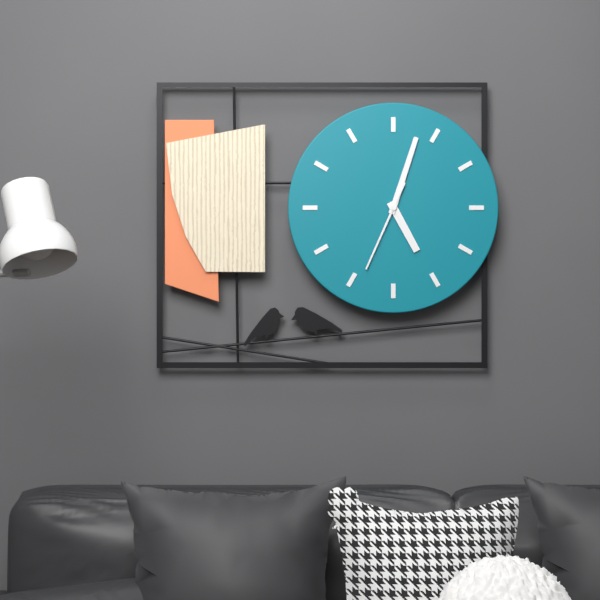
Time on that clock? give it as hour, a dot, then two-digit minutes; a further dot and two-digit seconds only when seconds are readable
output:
5.03.34
